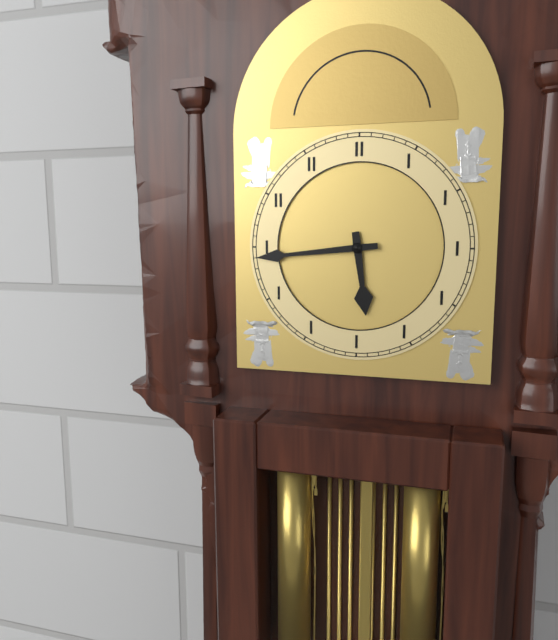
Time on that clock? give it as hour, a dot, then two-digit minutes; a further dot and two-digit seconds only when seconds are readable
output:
5.44
